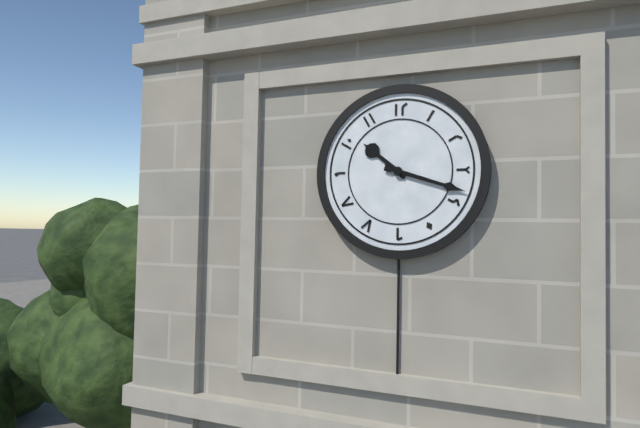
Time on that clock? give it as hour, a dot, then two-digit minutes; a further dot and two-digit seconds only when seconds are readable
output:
10.18
